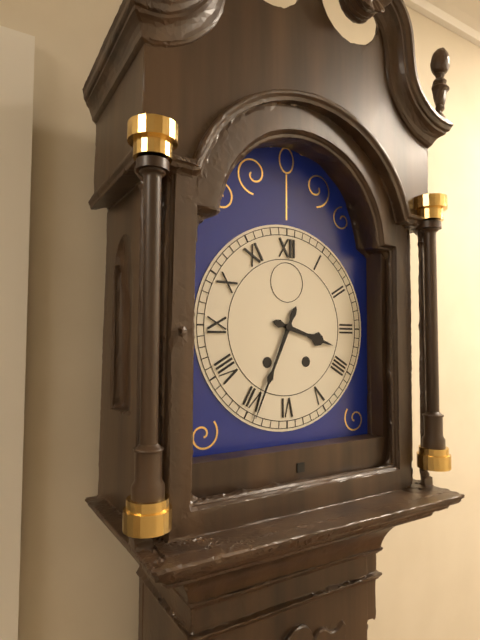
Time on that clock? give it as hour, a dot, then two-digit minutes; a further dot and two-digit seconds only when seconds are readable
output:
3.34
